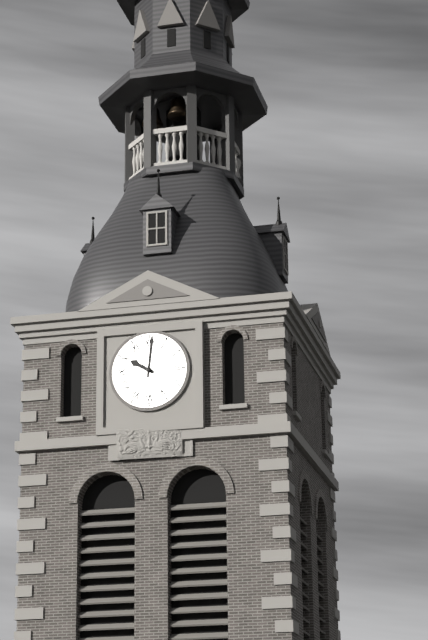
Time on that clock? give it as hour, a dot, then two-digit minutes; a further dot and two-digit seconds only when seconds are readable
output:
10.01
